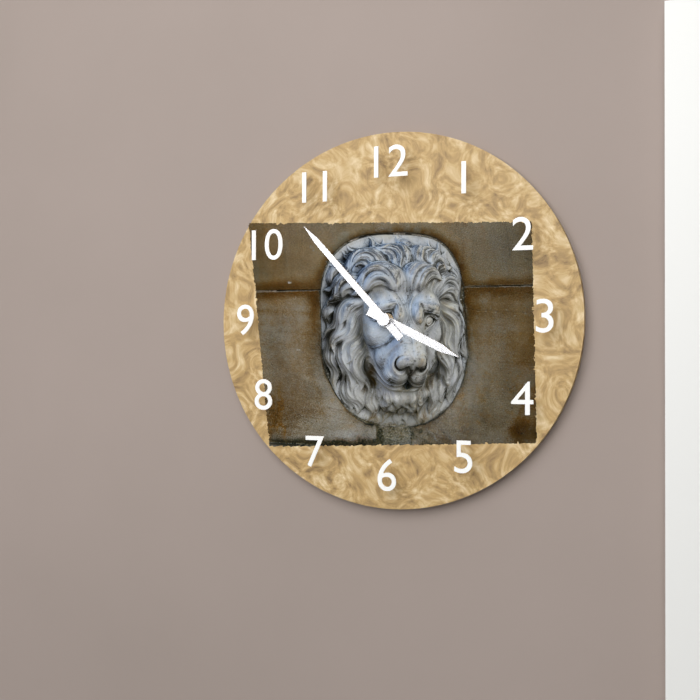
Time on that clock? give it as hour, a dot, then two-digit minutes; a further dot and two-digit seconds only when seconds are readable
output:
3.53
